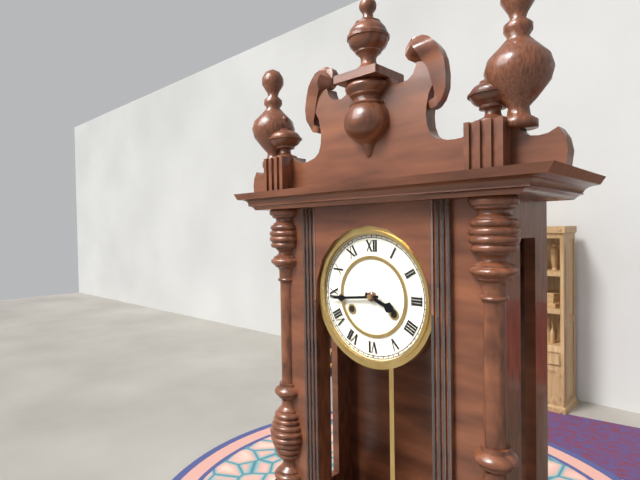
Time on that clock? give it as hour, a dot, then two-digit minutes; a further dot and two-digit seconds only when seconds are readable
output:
3.44
